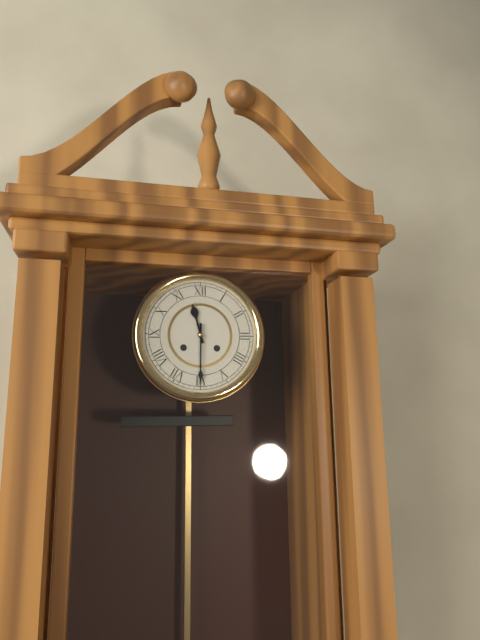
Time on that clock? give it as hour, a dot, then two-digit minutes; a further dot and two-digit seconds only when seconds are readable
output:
11.30
